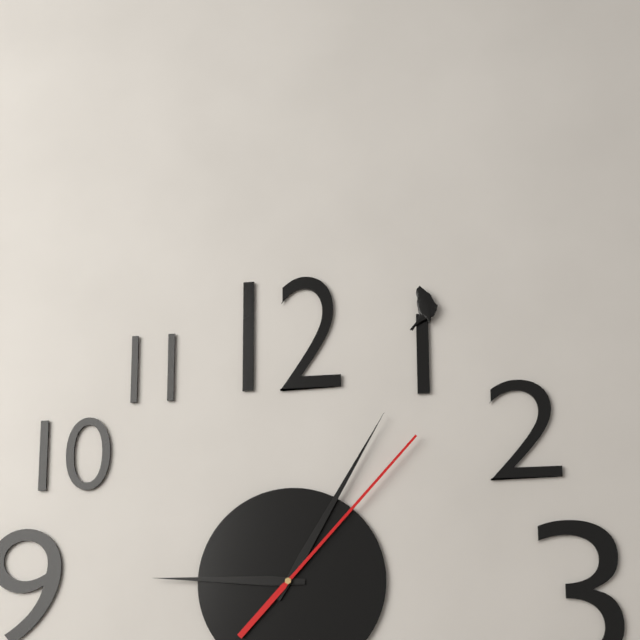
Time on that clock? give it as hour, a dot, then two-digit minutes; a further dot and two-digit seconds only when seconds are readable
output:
9.05.07
